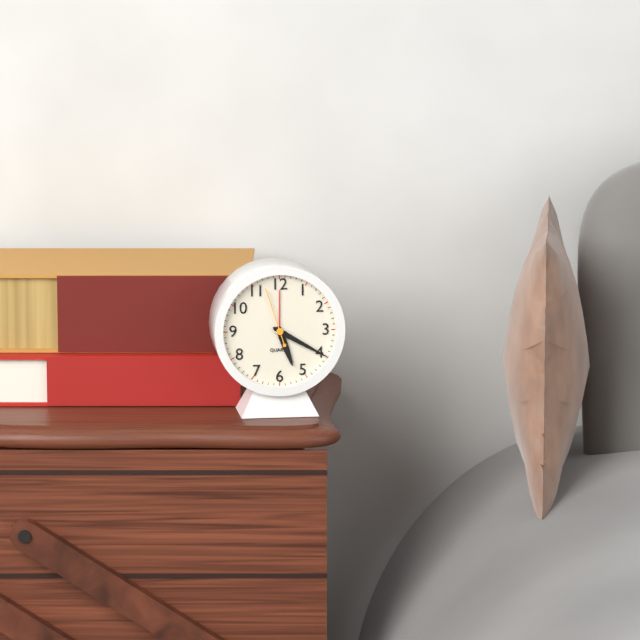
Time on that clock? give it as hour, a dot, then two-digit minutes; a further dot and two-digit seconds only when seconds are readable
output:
5.20.57
